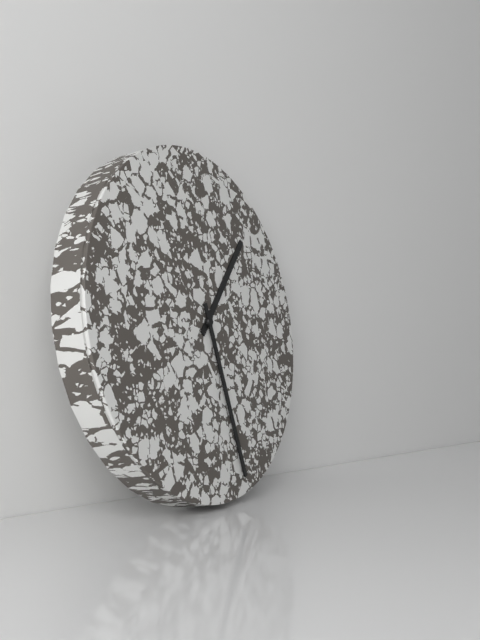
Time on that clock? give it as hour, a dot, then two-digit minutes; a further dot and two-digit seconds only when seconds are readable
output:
1.28
